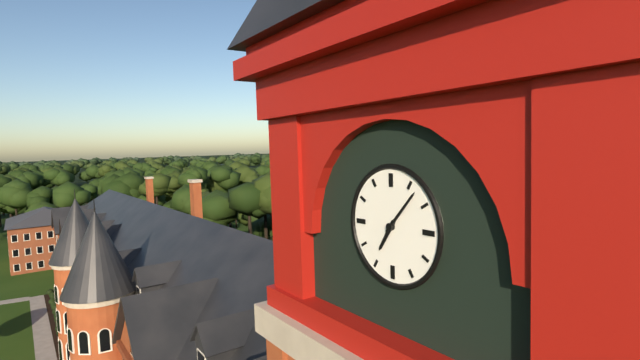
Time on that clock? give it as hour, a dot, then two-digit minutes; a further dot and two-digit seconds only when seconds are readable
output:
7.07
